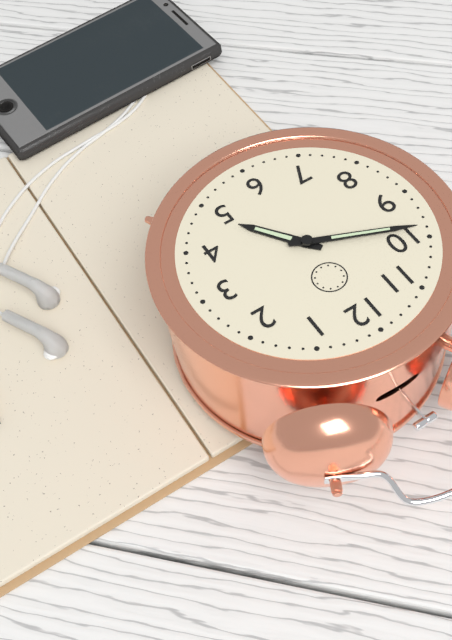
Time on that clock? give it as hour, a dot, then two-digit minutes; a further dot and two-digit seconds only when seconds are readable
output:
4.49
